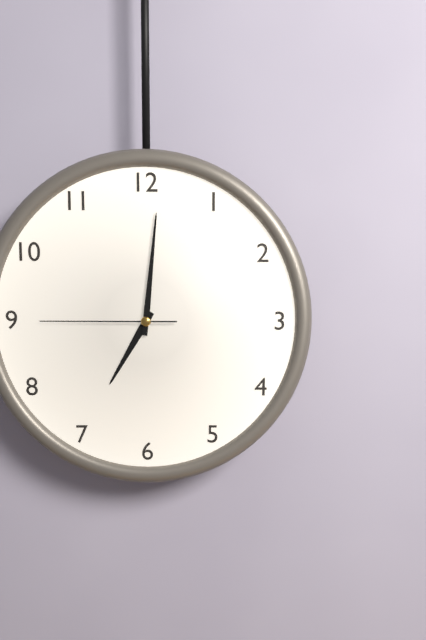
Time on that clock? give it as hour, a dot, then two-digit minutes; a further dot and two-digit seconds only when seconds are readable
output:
7.01.45
